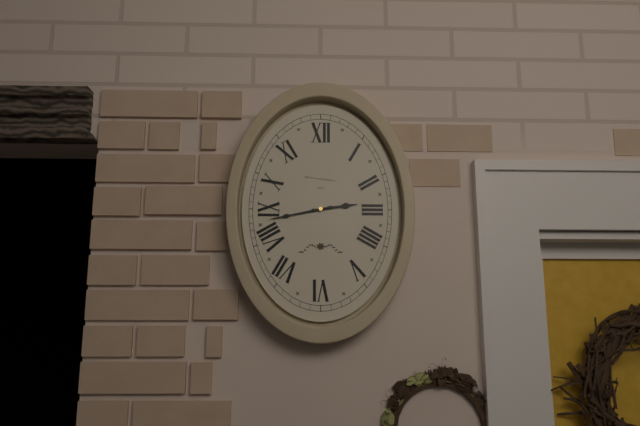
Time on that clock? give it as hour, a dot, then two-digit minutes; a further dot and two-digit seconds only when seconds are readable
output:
2.43
